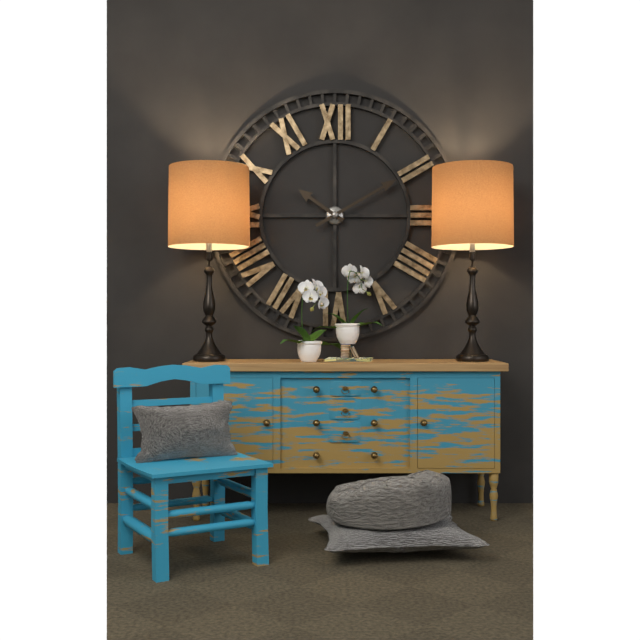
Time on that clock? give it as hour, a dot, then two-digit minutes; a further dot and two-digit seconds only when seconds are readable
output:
10.10
